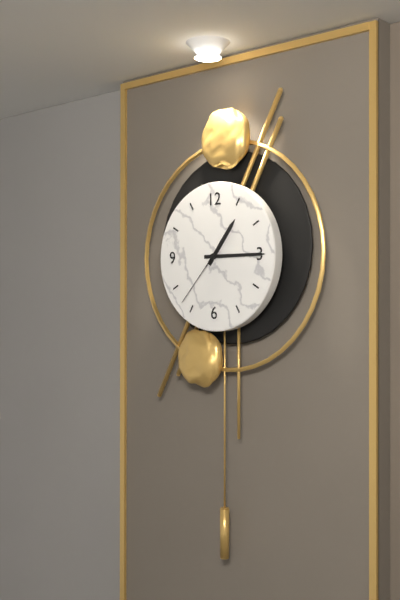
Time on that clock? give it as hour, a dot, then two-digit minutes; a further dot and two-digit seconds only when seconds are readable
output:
1.15.37
